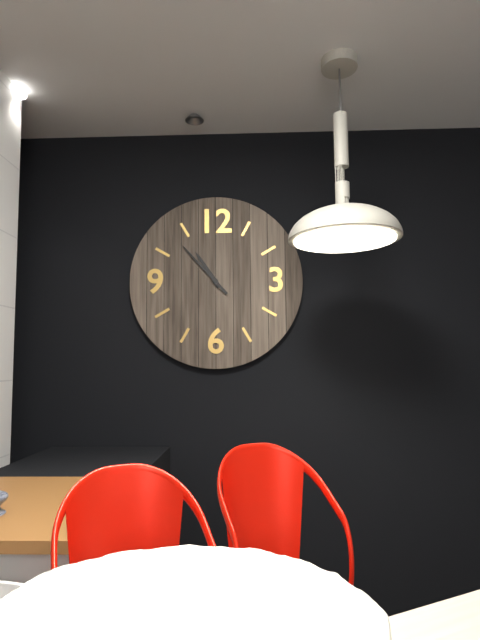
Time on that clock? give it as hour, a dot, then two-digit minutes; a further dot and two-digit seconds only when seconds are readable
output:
10.53
